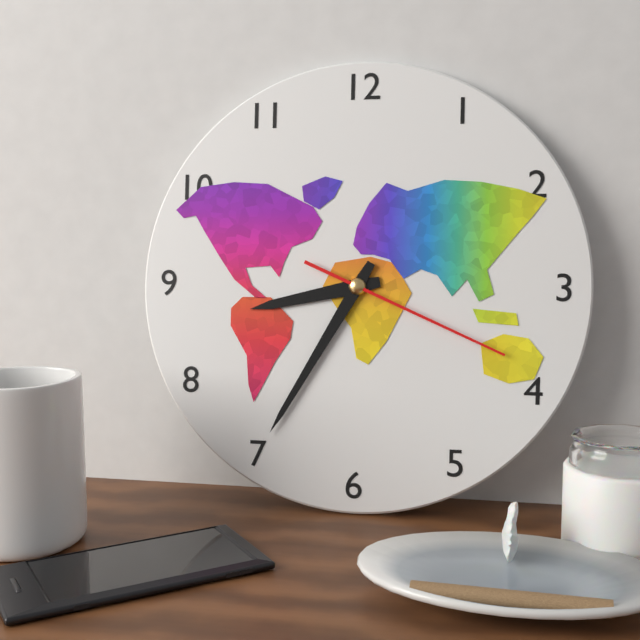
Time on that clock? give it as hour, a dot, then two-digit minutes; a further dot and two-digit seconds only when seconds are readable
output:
8.35.19
